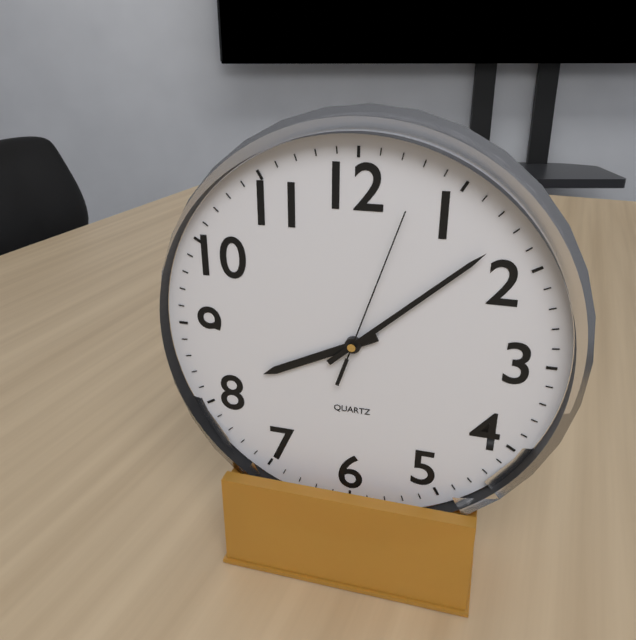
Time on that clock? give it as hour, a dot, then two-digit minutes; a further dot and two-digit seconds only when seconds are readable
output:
8.08.03
